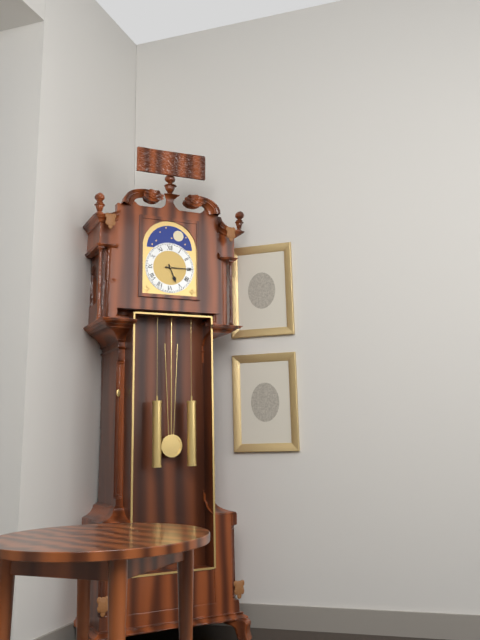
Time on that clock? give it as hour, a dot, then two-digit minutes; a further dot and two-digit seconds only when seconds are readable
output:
5.15
